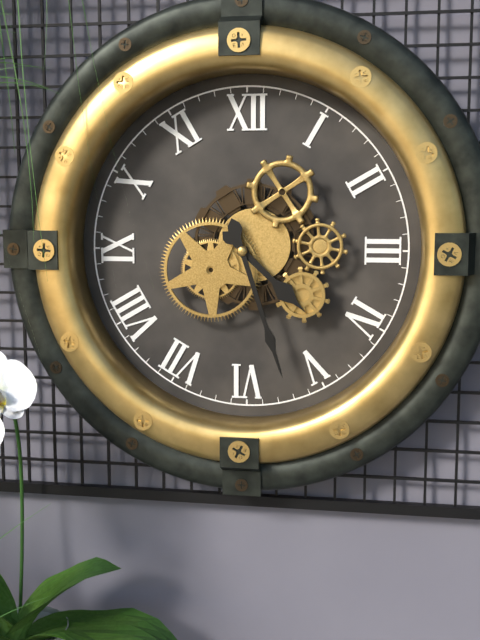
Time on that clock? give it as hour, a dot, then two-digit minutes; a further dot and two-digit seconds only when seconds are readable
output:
4.27
